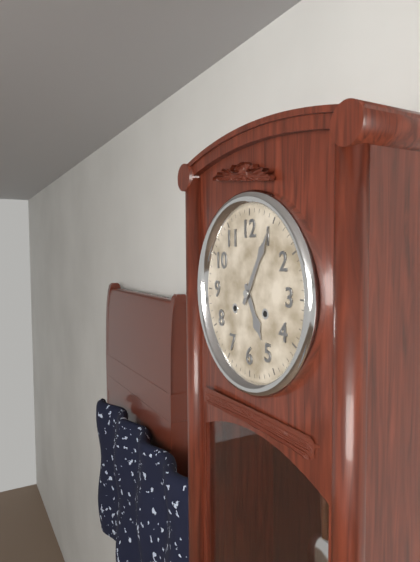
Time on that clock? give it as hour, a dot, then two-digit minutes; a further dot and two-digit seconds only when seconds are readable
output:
5.05
